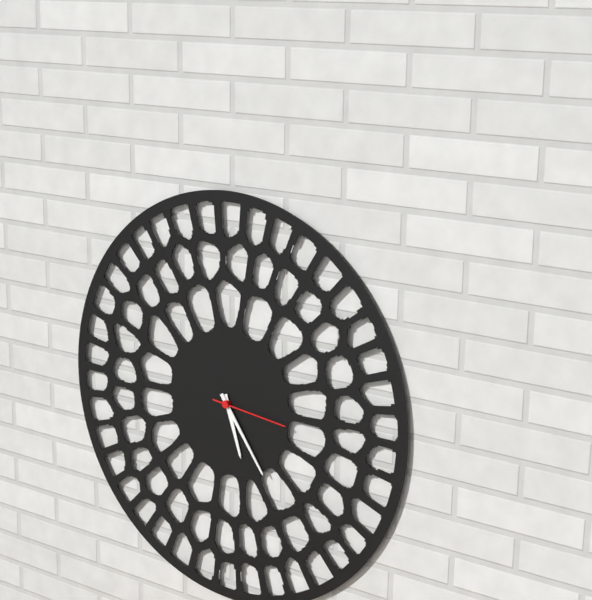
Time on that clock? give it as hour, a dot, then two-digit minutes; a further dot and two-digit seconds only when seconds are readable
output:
5.24.16
